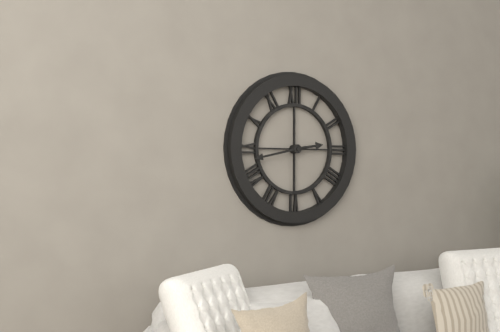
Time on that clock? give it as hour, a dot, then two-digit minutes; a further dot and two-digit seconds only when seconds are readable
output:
2.43
